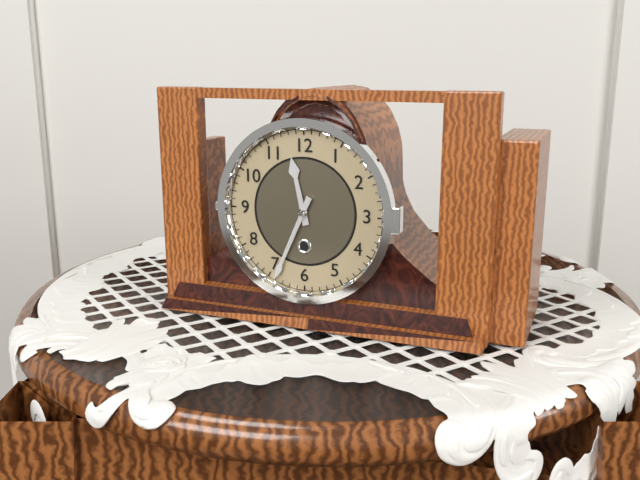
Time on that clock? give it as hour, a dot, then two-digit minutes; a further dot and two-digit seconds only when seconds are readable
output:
11.34
